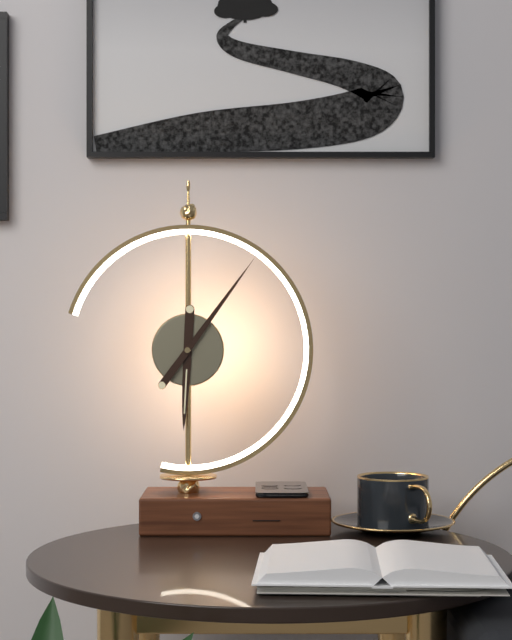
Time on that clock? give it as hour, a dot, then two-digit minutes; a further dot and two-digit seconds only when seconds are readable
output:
6.06
